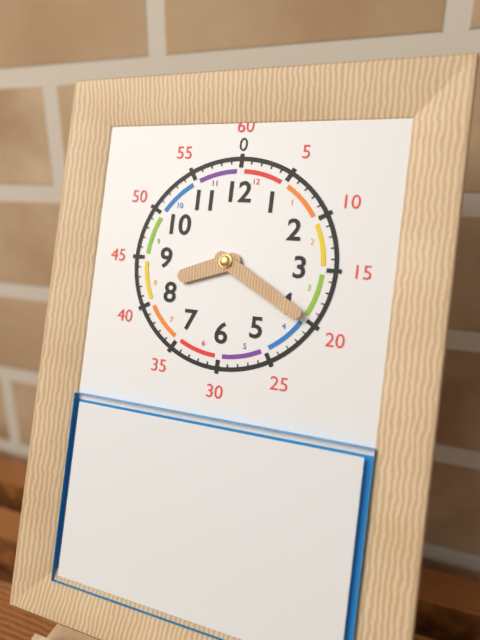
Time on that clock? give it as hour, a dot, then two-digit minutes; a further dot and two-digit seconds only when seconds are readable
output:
8.20
